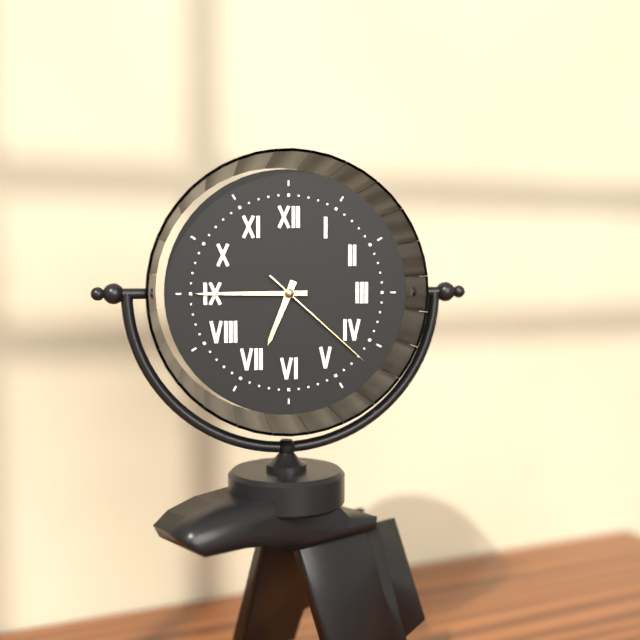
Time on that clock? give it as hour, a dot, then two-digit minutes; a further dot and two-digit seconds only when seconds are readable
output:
6.45.22
